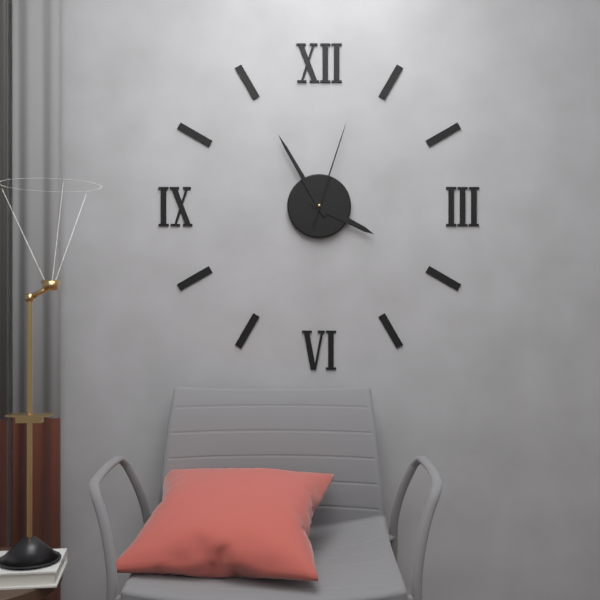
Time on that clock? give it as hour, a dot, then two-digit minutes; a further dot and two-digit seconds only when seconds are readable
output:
3.55.03
